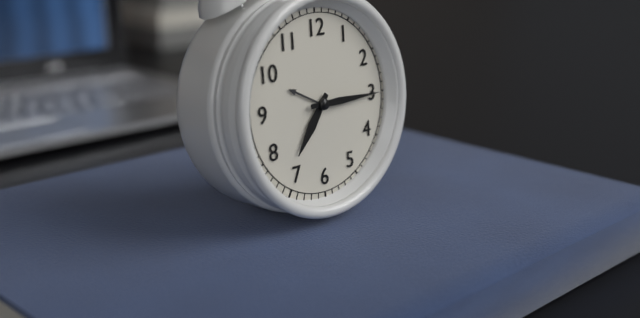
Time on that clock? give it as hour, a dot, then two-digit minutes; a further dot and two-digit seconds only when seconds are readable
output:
7.15
